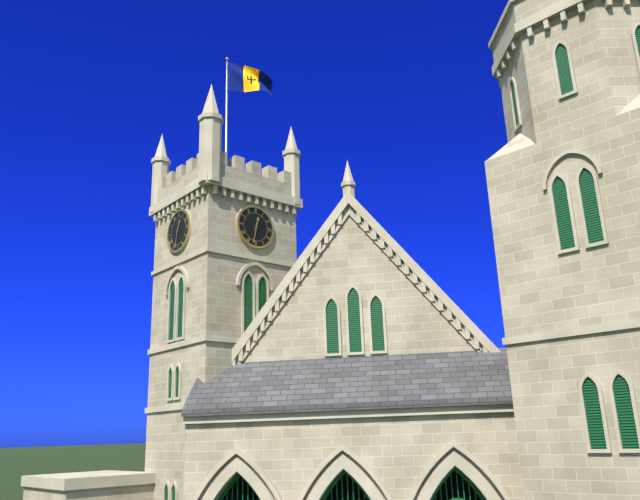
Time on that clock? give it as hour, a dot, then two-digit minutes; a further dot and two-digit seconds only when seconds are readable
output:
12.32
